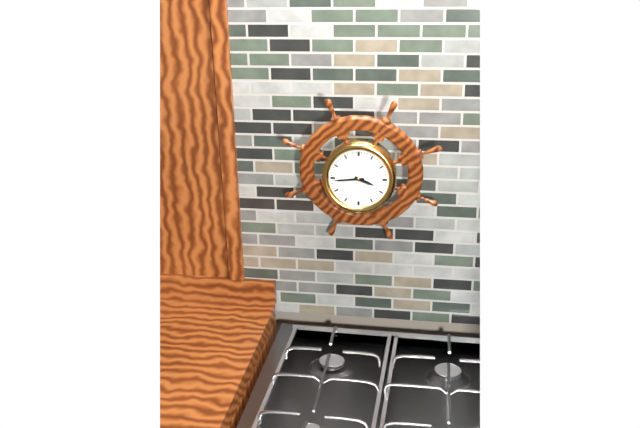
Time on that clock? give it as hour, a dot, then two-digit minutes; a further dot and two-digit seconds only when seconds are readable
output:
3.44
